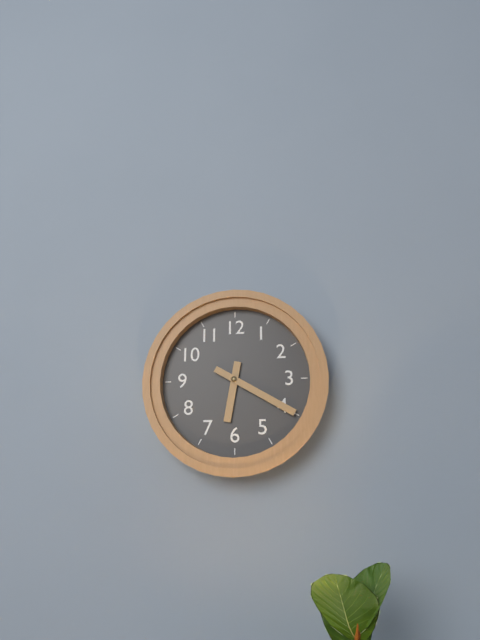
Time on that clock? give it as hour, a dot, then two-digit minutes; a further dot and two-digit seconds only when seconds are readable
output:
6.20
